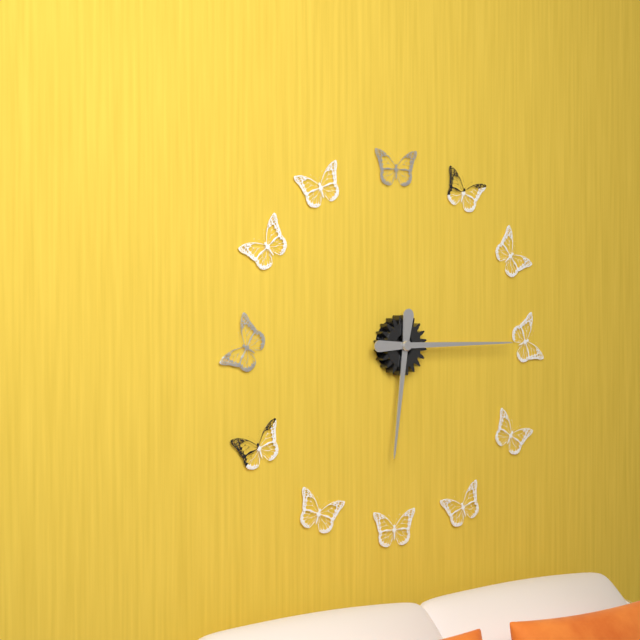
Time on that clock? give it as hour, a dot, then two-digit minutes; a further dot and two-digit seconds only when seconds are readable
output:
6.15
